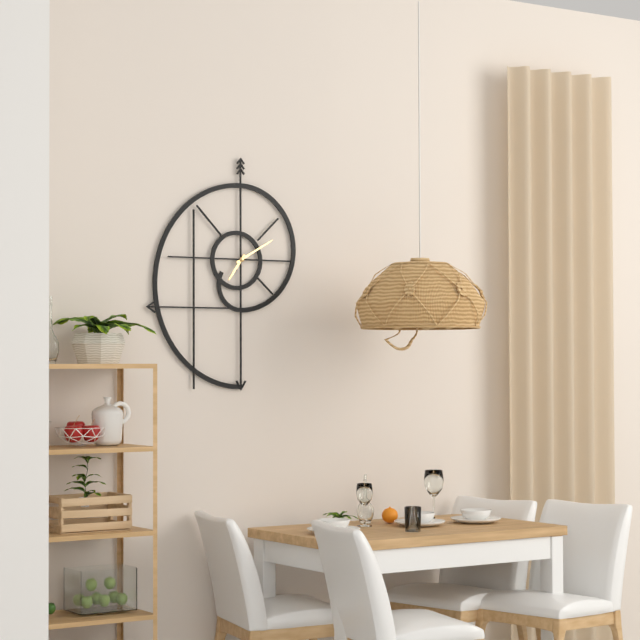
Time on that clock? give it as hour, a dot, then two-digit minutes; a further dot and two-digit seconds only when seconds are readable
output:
7.10
